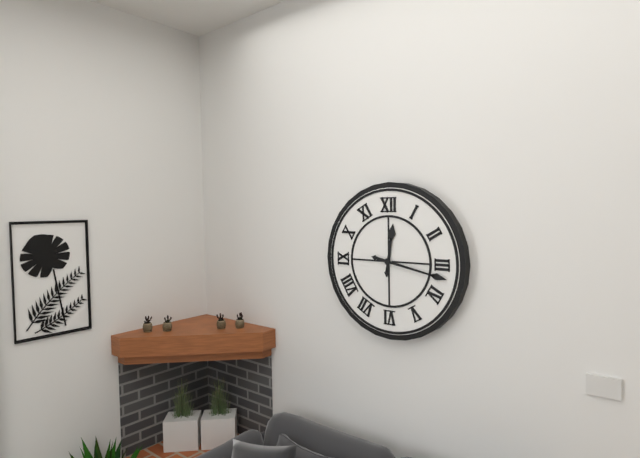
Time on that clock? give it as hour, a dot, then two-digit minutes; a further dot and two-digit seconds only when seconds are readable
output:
12.17
